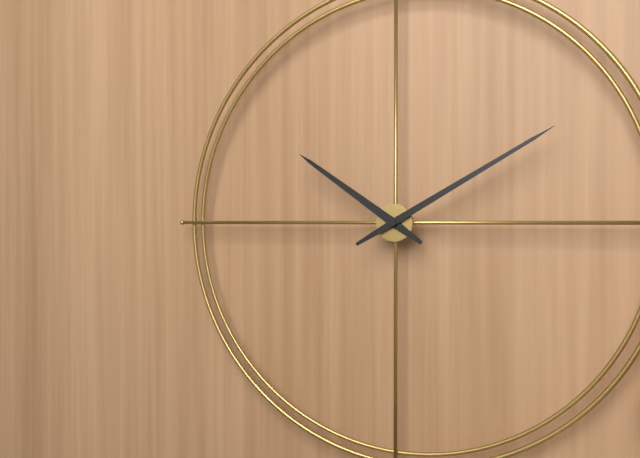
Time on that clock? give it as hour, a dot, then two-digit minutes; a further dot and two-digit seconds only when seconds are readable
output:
10.10
